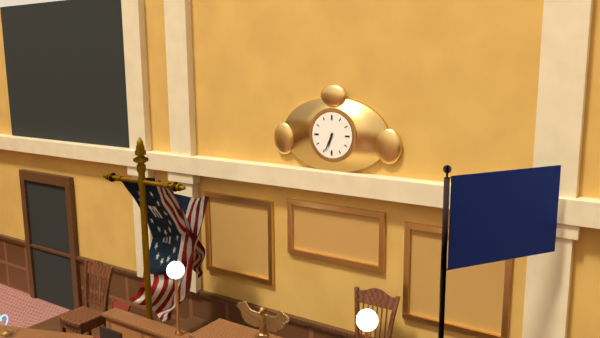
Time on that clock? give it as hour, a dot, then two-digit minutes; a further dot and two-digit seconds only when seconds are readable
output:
6.34
